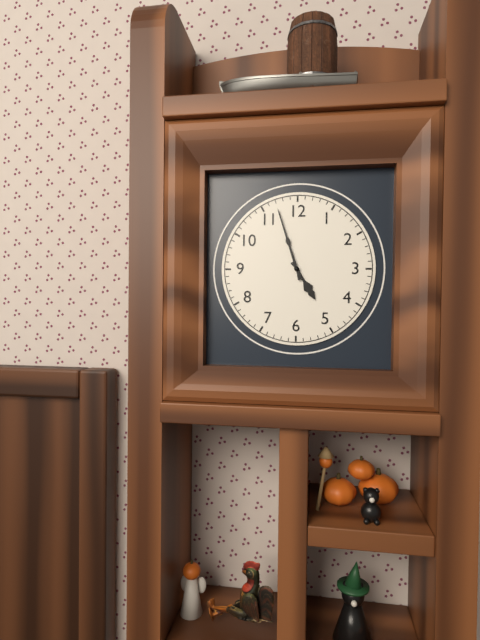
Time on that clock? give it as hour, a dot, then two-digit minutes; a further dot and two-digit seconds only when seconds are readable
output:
4.57
